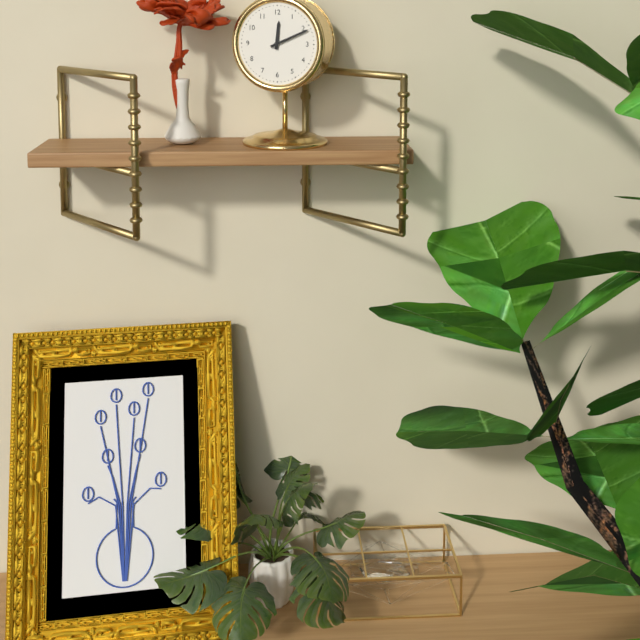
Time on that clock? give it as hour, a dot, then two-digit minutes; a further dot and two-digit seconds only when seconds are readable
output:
12.11
